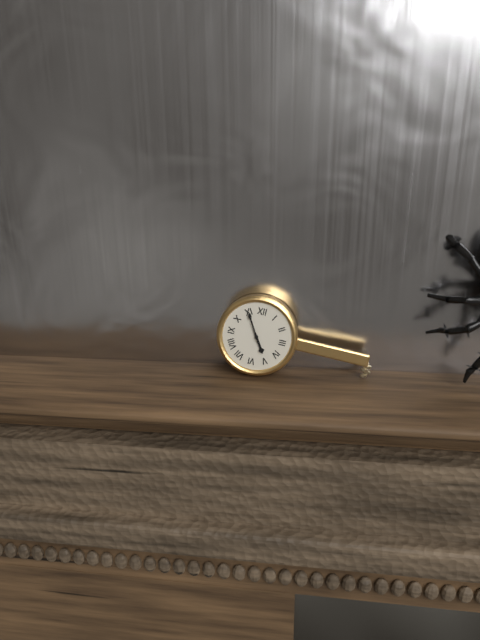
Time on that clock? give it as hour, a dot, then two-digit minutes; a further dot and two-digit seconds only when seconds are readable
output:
4.55
